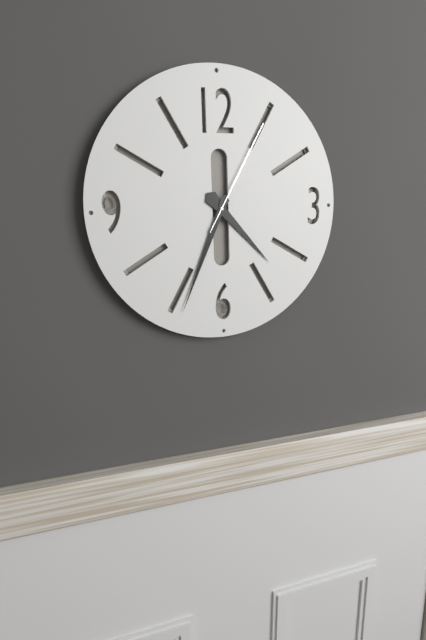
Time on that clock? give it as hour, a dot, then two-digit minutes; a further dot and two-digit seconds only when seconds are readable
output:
4.34.05
